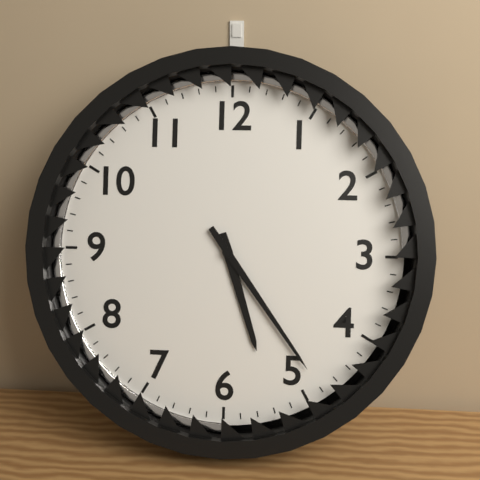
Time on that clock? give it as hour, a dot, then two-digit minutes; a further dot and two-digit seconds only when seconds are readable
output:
5.24
